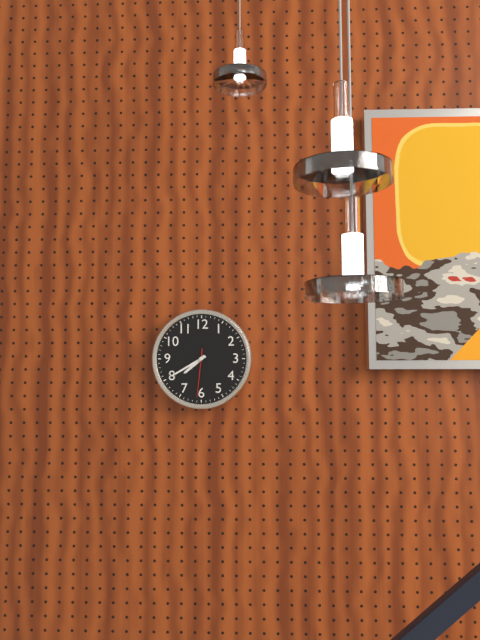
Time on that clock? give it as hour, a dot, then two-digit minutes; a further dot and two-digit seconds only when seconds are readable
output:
7.40
